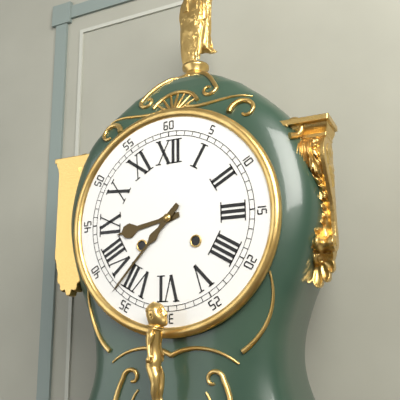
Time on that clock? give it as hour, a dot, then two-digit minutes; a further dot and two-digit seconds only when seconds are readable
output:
8.37
